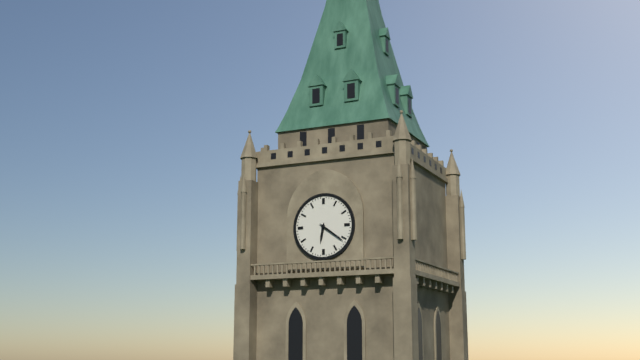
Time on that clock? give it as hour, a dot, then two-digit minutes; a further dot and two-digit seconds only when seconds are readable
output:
6.21
